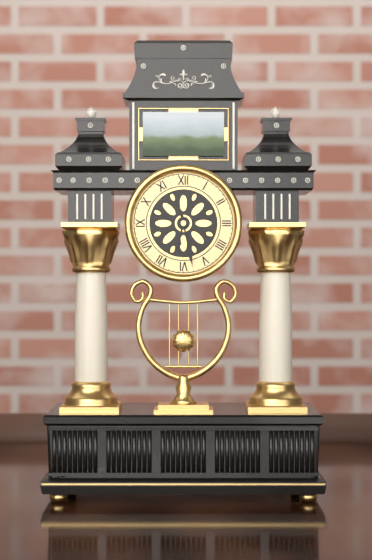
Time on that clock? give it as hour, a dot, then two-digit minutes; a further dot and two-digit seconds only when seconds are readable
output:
6.28
